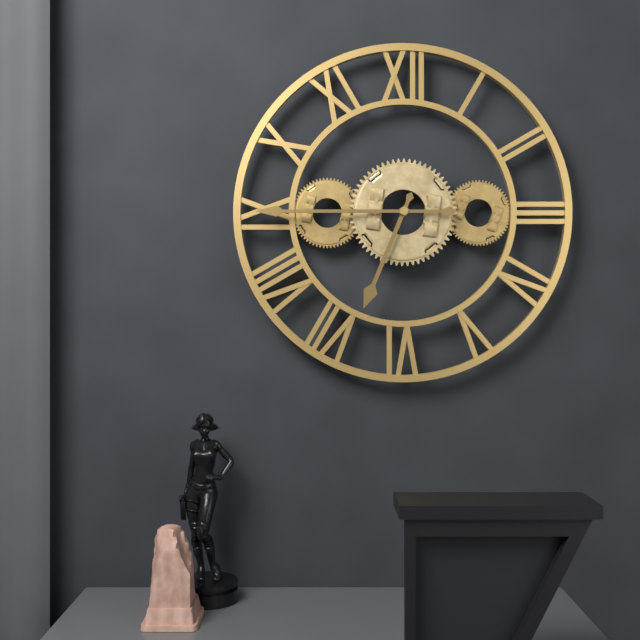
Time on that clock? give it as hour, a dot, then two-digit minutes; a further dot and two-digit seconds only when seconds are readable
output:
6.45
